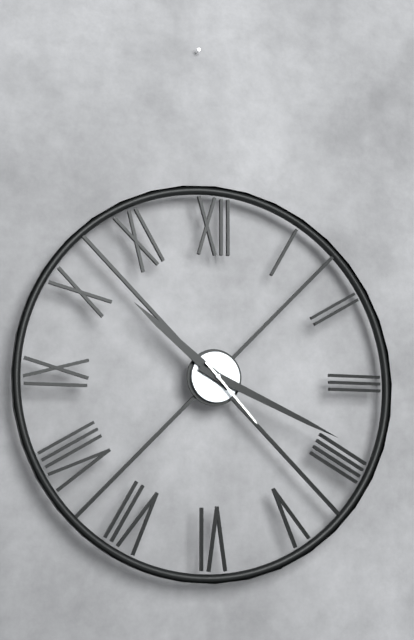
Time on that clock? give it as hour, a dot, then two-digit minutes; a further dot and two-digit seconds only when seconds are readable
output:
10.19.23
